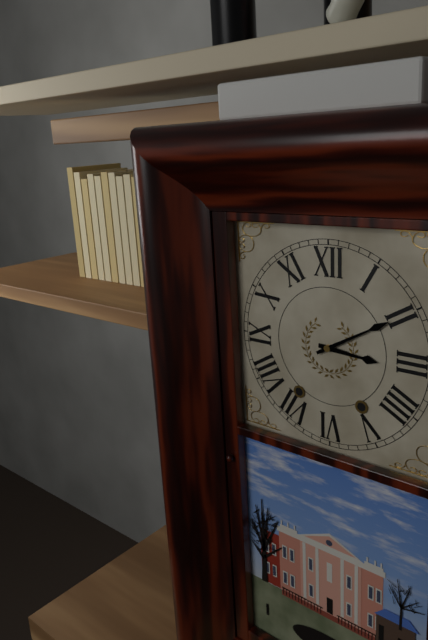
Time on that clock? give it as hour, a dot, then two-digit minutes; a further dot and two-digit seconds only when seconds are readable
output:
3.10
